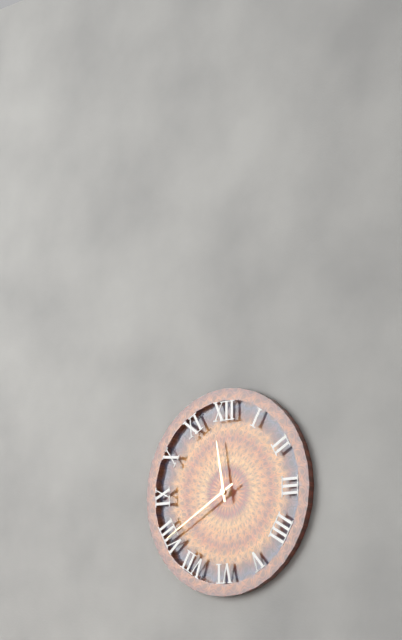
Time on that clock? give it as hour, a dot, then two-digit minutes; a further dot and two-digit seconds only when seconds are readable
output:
11.40
